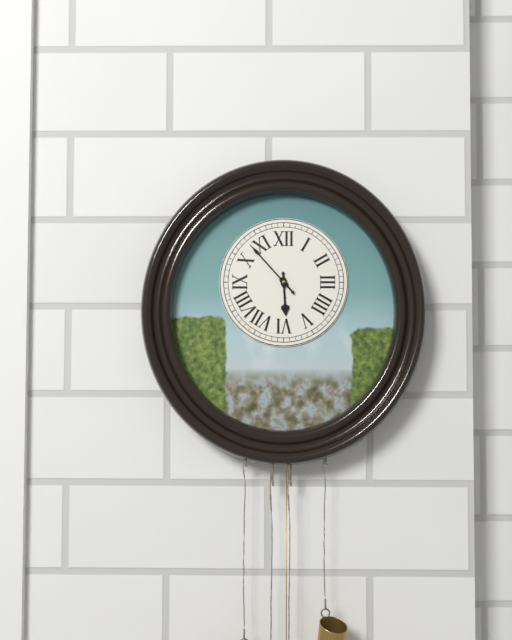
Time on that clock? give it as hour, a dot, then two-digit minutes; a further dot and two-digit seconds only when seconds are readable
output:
5.53
